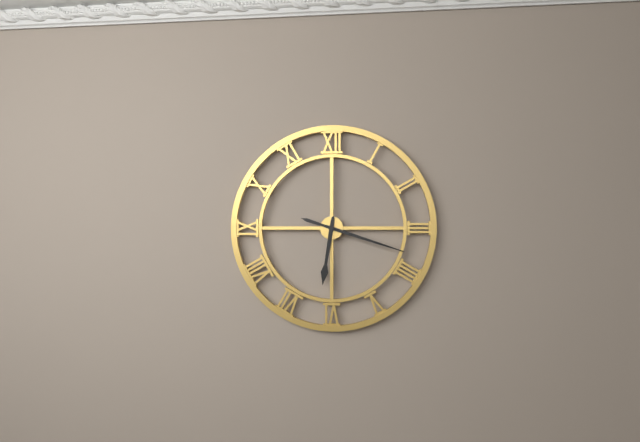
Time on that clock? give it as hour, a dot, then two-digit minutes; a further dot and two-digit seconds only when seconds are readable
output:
6.18
